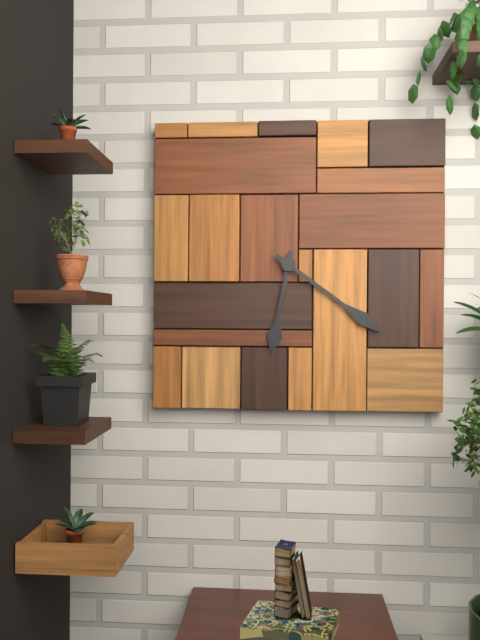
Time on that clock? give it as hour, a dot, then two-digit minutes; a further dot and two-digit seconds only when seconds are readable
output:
6.21
